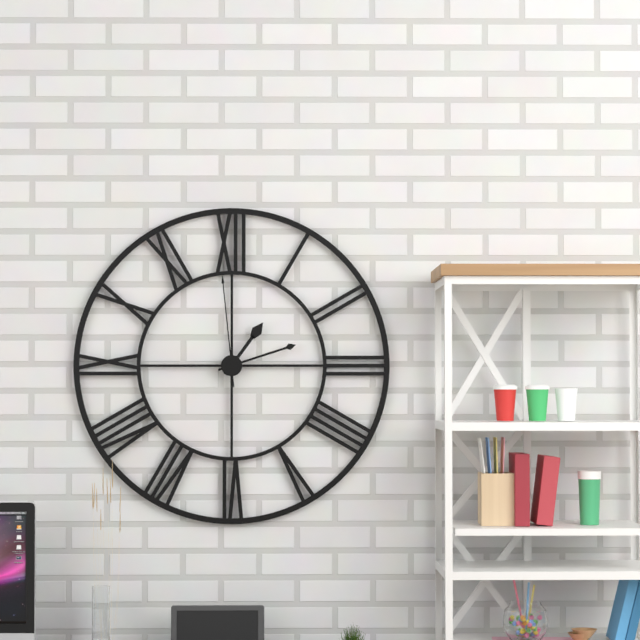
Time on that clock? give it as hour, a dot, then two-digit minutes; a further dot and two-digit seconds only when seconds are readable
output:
1.12.59
